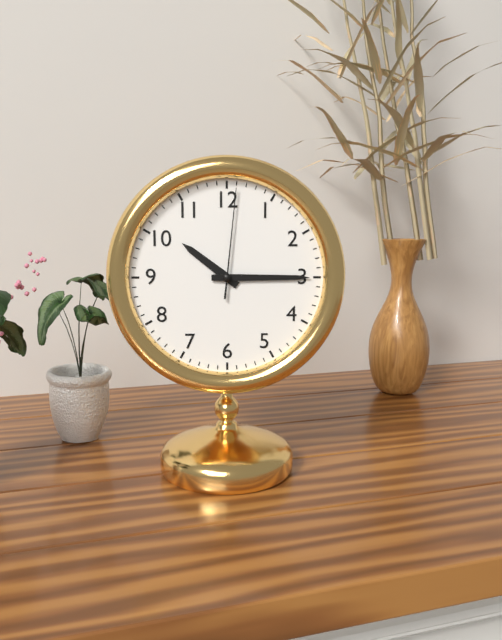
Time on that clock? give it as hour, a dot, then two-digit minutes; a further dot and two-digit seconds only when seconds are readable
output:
10.15.01
